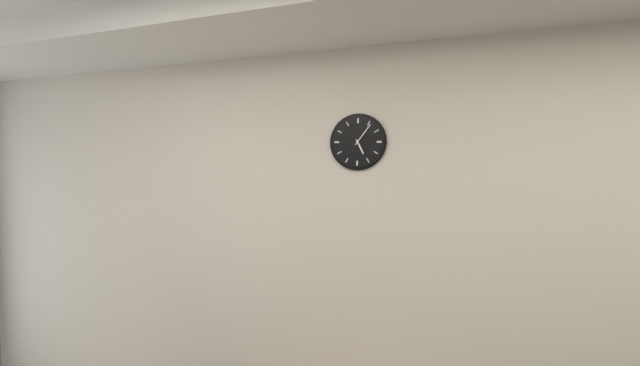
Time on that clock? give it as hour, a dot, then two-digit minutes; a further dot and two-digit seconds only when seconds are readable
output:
5.06
